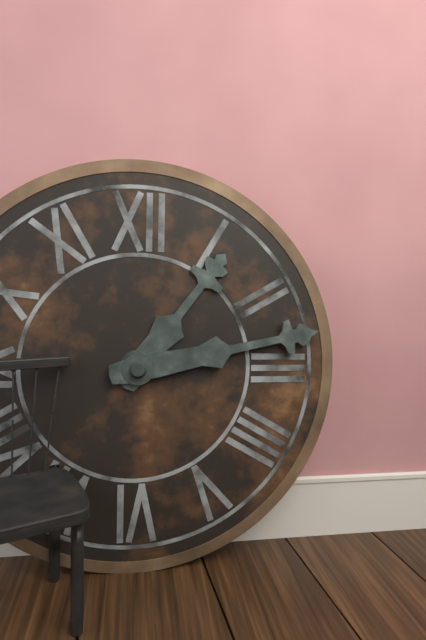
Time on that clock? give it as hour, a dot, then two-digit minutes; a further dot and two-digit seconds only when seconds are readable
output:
1.13
